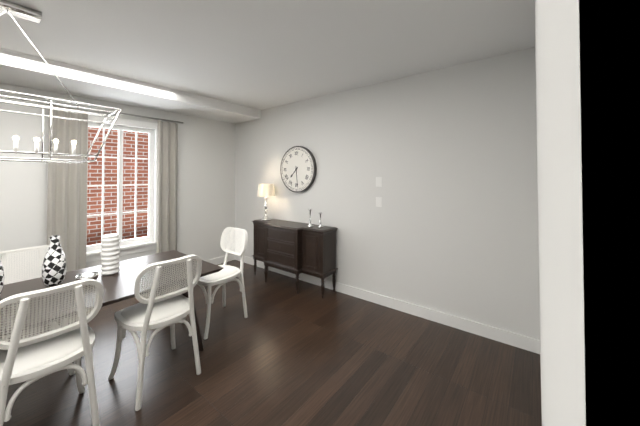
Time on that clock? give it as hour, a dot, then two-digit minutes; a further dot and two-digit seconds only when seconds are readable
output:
7.29
